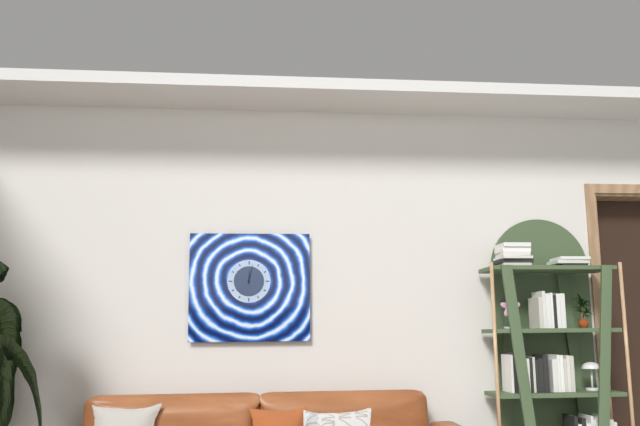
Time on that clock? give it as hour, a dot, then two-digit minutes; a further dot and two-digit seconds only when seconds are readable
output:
12.02
